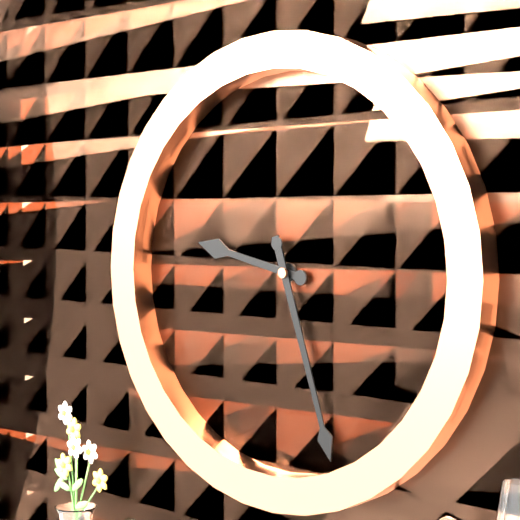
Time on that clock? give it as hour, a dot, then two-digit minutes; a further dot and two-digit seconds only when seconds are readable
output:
9.27
